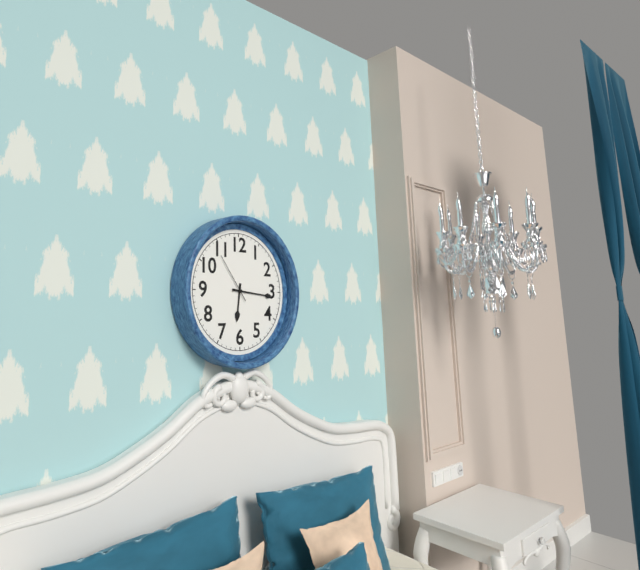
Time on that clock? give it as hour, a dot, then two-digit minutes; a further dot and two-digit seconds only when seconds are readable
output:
6.16.54
